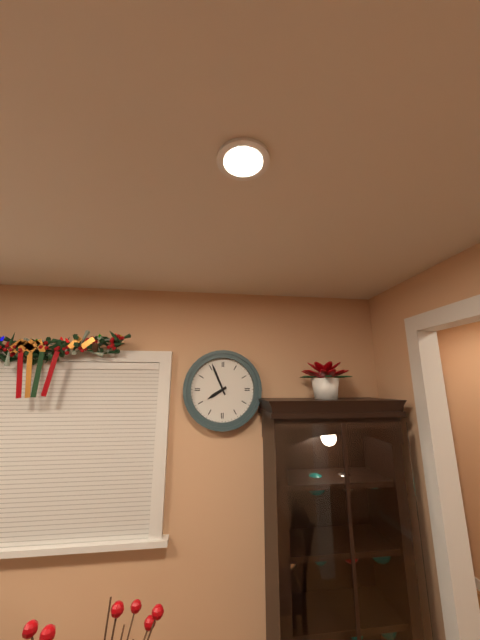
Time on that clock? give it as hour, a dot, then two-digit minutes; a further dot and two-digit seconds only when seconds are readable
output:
7.56
